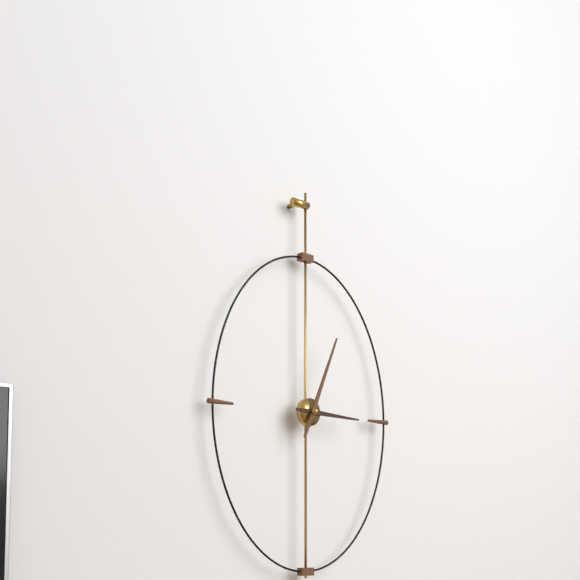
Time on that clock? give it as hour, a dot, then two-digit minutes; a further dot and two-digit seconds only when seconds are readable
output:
3.04
